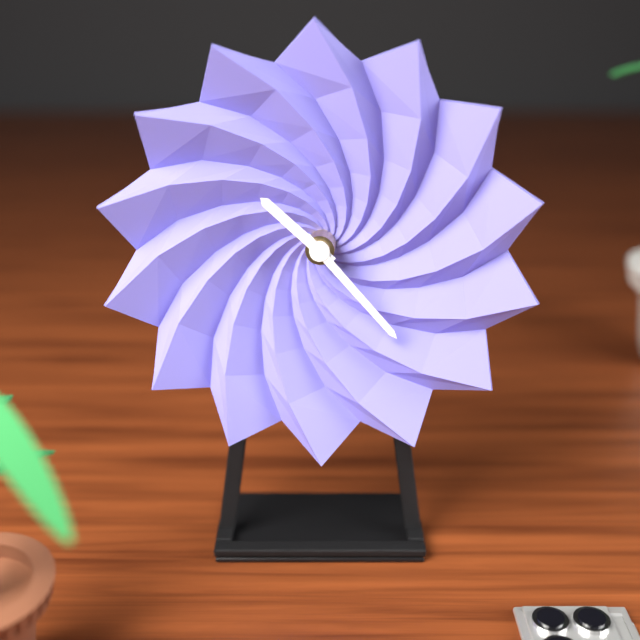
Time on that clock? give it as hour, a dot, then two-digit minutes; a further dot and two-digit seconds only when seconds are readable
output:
10.23
